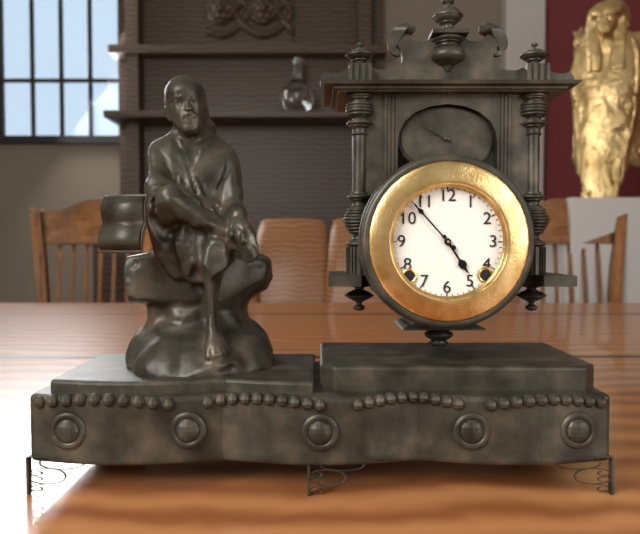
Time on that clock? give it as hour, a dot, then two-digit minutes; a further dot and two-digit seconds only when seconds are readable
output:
4.53
